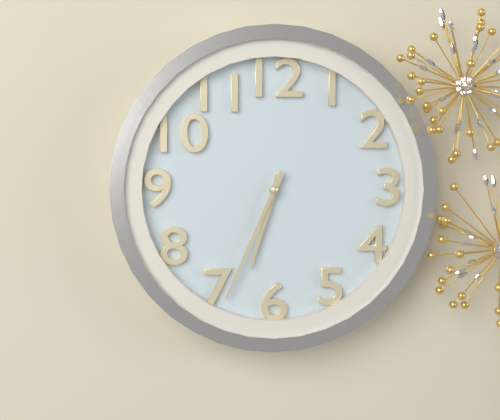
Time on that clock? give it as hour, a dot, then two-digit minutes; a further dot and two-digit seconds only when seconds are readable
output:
6.34
